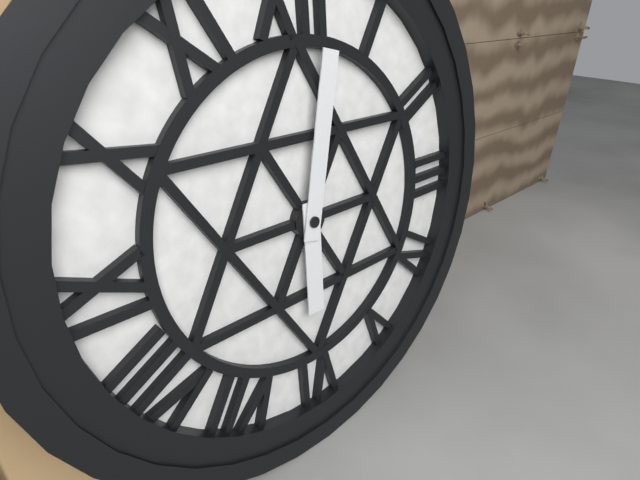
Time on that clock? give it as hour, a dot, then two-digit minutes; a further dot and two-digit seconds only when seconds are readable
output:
6.02
